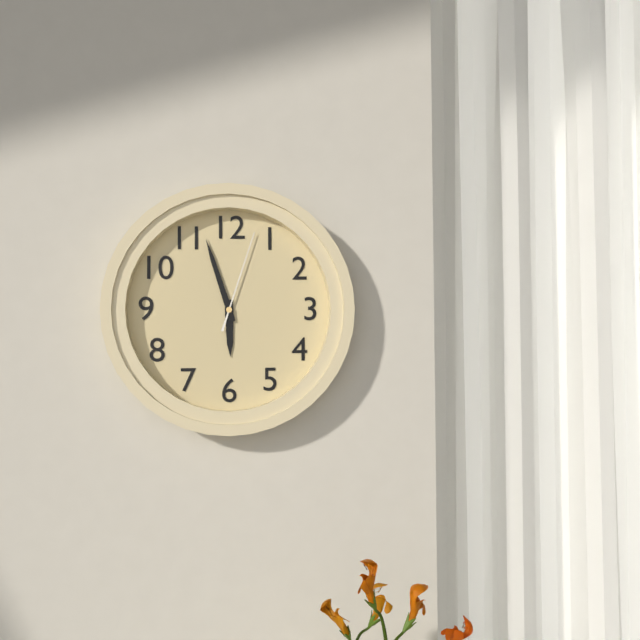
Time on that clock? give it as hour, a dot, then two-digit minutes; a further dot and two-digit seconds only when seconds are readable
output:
5.57.03
